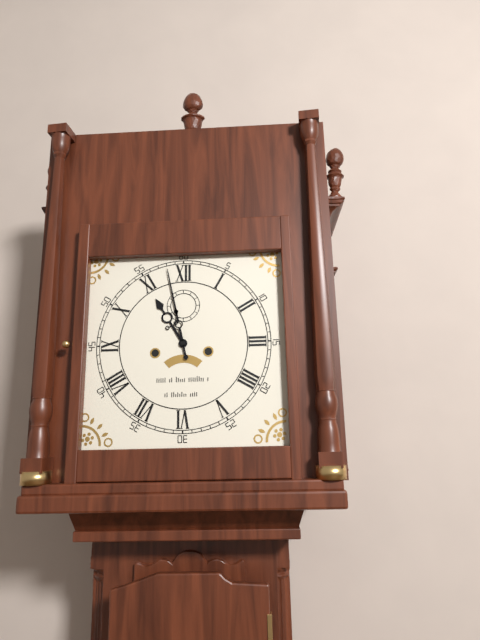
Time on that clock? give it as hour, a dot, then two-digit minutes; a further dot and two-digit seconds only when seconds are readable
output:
10.58
